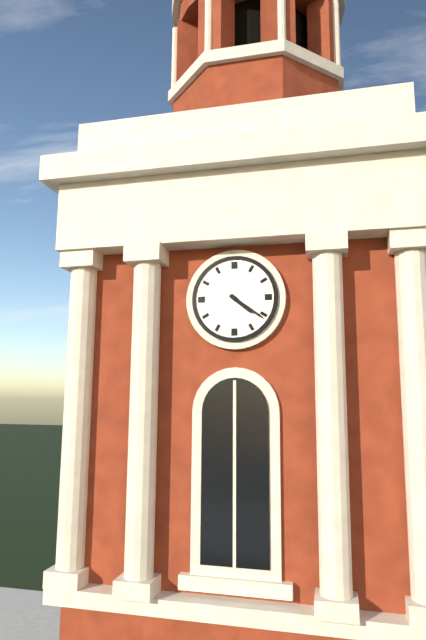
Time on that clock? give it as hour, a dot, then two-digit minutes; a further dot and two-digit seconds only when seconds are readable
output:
4.21
